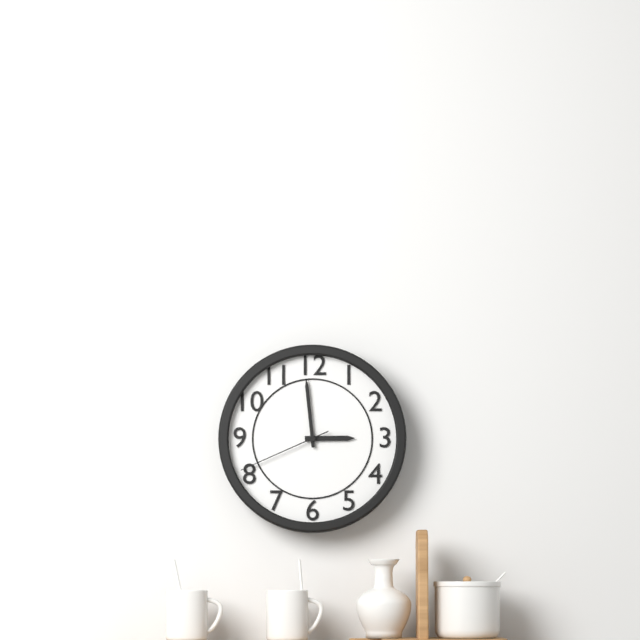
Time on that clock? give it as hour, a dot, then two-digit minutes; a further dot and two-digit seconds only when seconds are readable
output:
2.59.41
